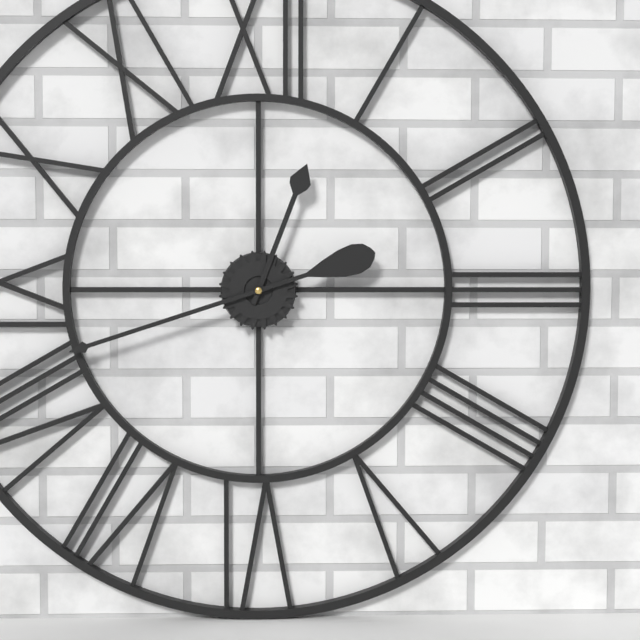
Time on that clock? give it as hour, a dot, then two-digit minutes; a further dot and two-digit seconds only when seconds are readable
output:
12.42
